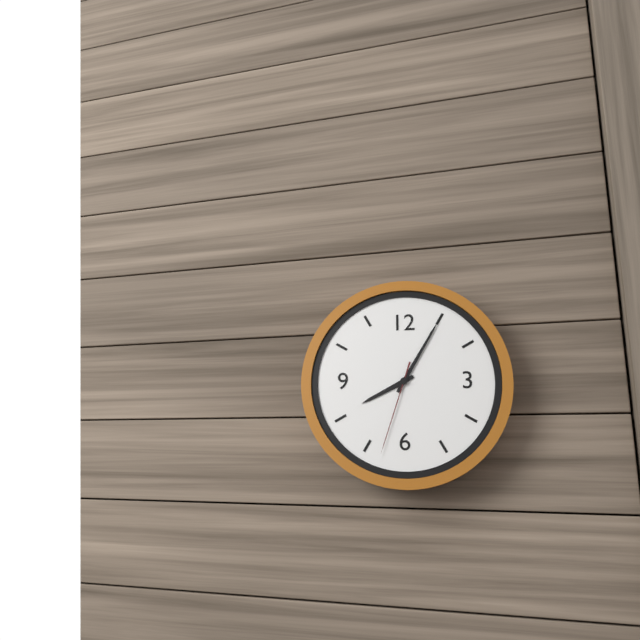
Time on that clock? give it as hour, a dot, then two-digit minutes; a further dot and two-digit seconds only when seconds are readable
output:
8.05.33
